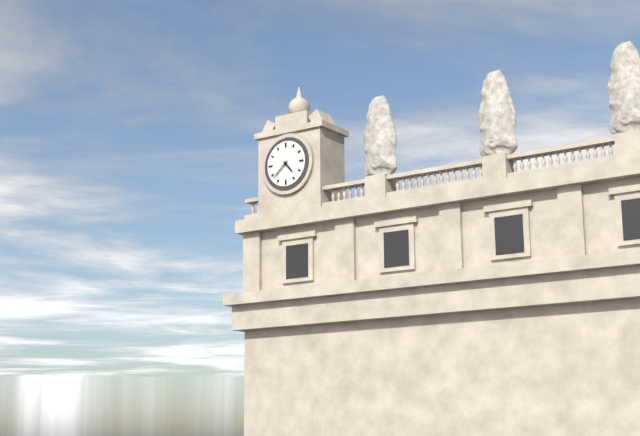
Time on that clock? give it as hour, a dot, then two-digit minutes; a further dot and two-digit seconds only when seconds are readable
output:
4.38
